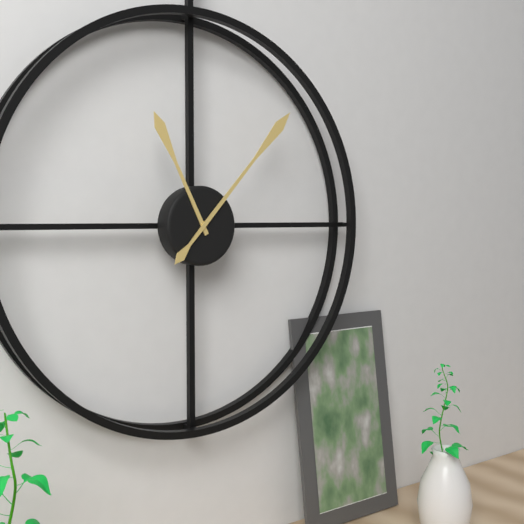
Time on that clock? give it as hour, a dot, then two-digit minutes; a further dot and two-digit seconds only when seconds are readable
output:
11.07
